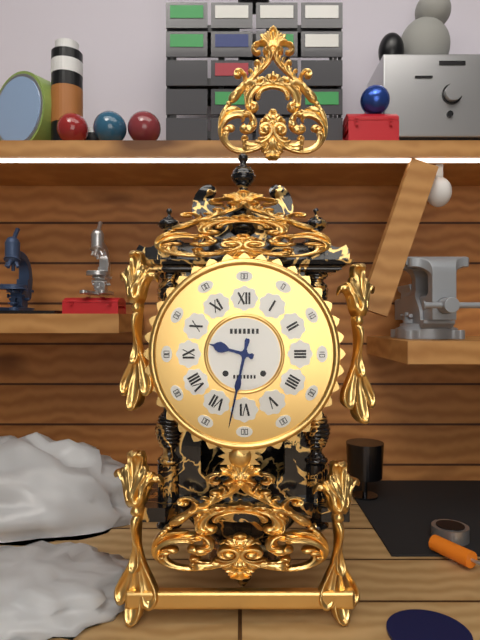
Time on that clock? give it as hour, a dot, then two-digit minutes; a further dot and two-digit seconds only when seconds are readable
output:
9.32
